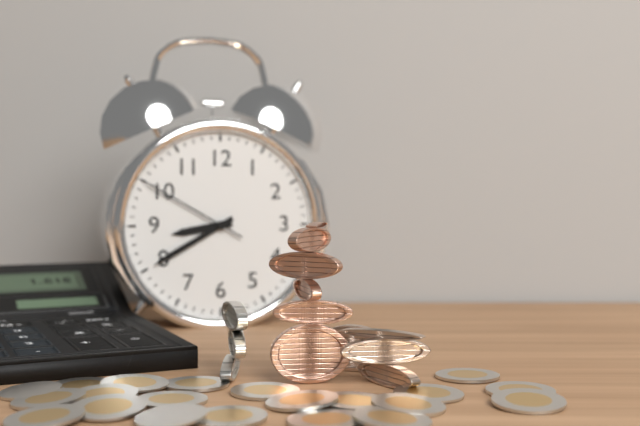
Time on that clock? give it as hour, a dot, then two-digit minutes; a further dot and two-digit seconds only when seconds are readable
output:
8.40.50
